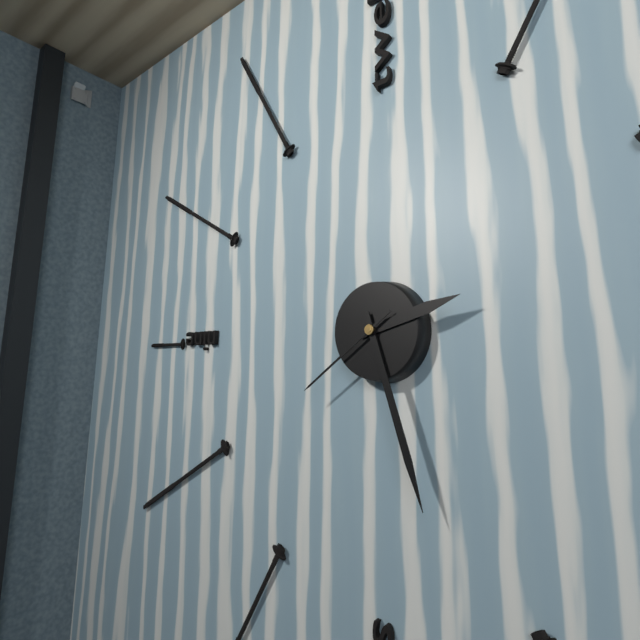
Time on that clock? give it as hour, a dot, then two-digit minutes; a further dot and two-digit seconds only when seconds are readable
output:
2.27.39
